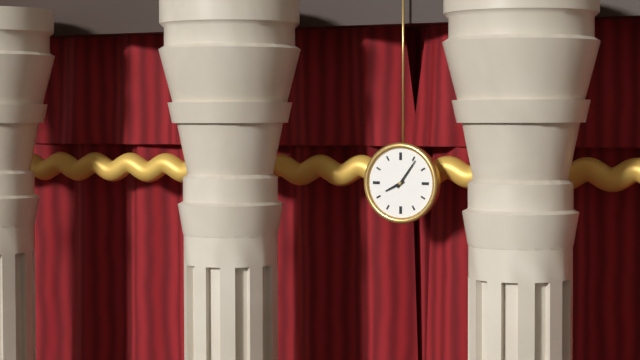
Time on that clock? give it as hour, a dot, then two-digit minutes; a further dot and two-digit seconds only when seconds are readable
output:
8.06
